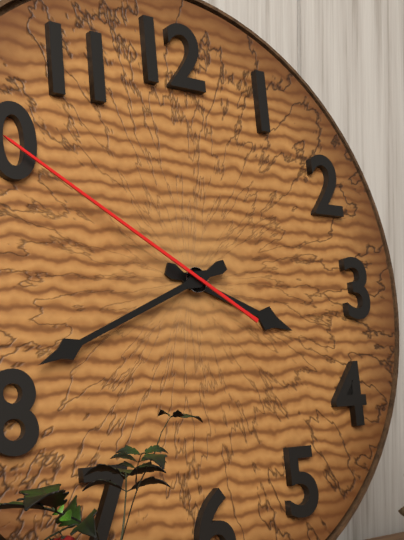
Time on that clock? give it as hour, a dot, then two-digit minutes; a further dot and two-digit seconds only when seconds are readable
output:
3.41.50
